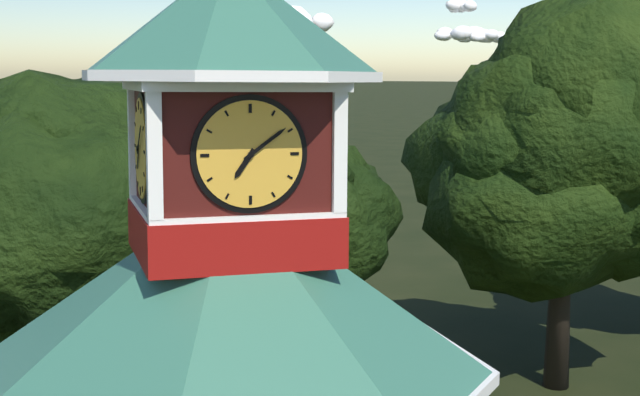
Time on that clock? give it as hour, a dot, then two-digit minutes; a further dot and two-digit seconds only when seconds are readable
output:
7.09
